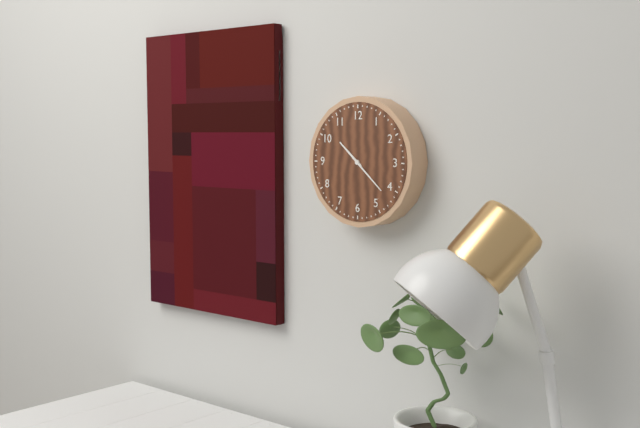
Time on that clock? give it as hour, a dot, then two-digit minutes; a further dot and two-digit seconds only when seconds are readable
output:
10.22
